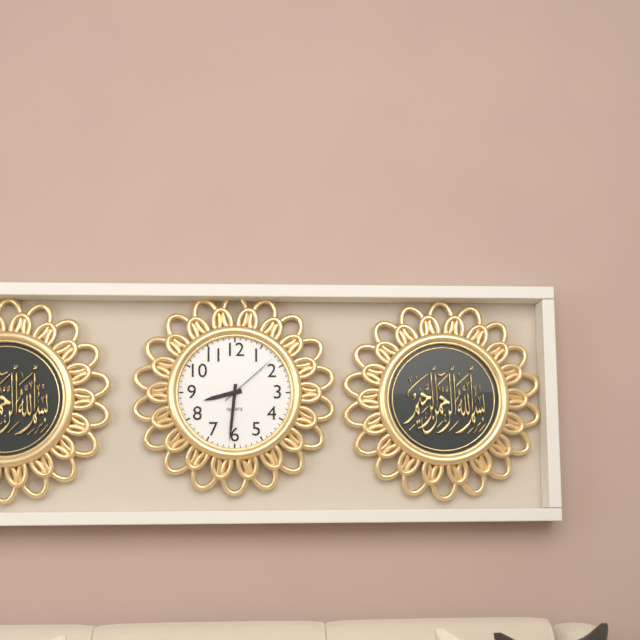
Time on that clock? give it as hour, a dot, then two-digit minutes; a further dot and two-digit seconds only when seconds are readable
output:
8.31.08
